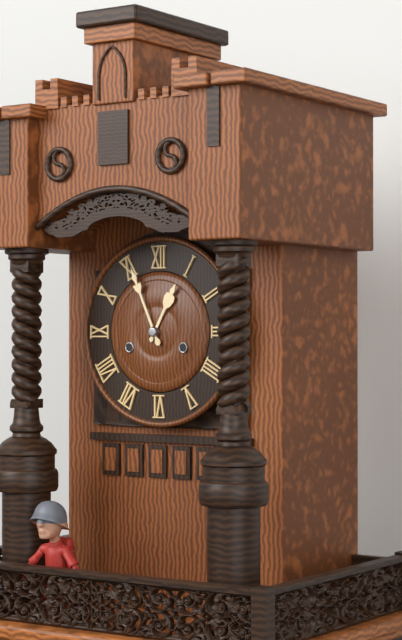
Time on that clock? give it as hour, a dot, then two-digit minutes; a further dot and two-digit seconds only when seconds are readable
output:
12.56
